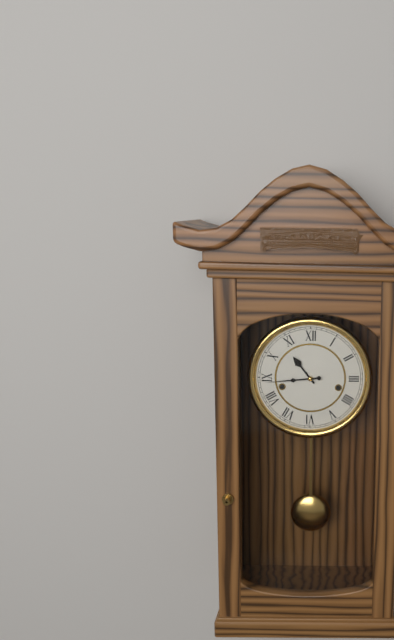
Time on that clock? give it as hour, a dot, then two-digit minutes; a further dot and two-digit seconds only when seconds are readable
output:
10.44
